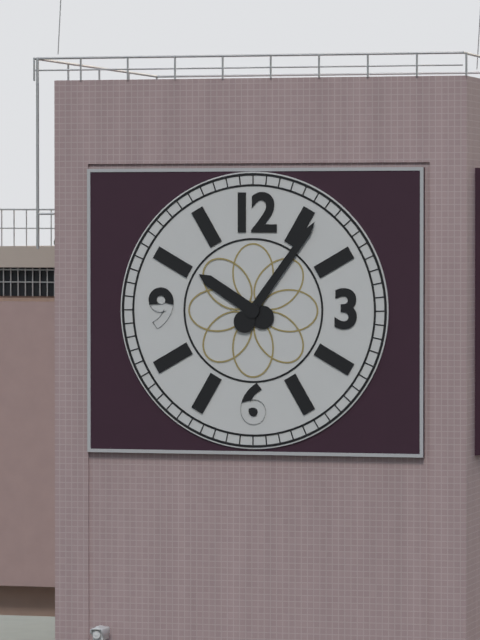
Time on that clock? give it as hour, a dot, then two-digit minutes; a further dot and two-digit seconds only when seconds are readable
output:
10.06
